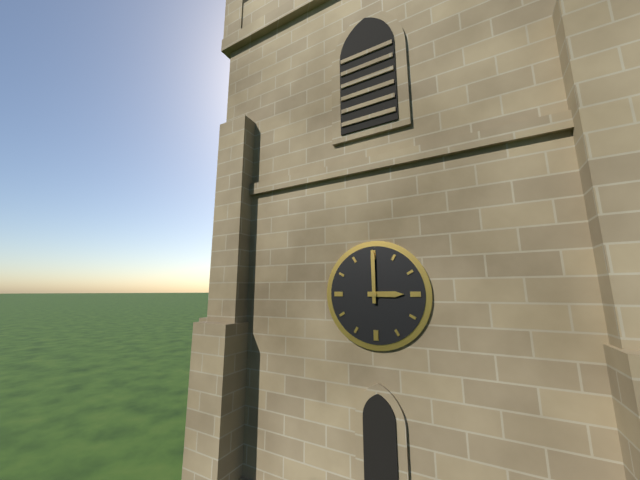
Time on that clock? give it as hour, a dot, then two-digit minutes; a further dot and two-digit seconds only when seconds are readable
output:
3.00
